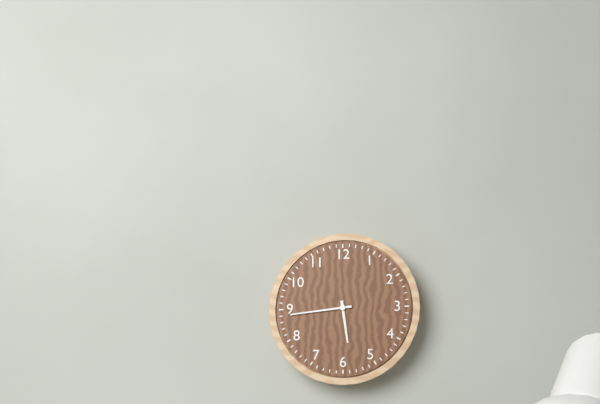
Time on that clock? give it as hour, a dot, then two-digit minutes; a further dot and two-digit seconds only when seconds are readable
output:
5.44
